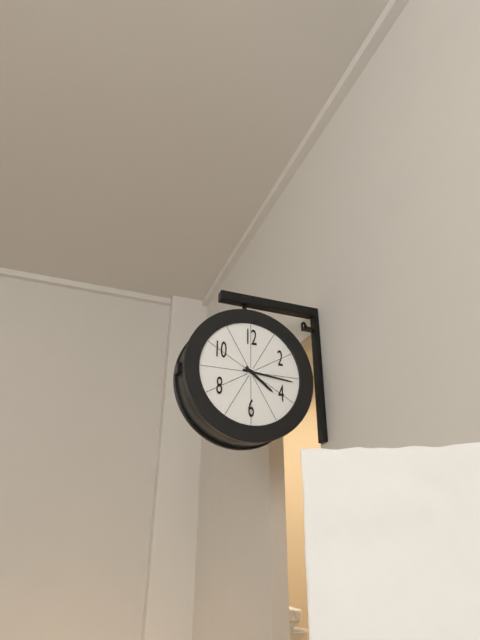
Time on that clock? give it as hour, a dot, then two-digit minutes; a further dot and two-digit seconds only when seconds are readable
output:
4.16
